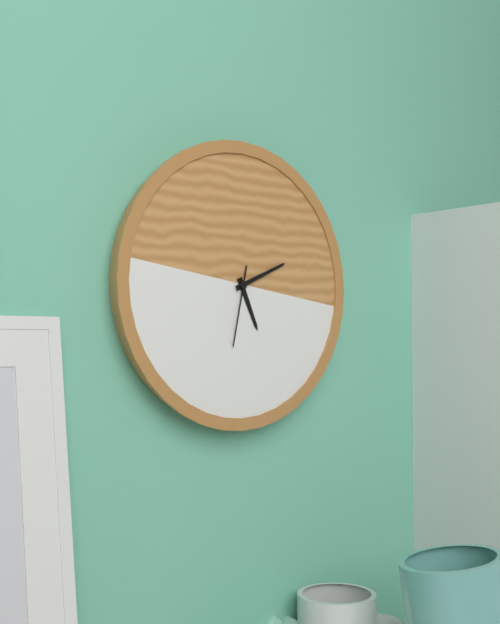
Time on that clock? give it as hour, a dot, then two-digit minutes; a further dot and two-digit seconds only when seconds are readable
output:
5.11.32
